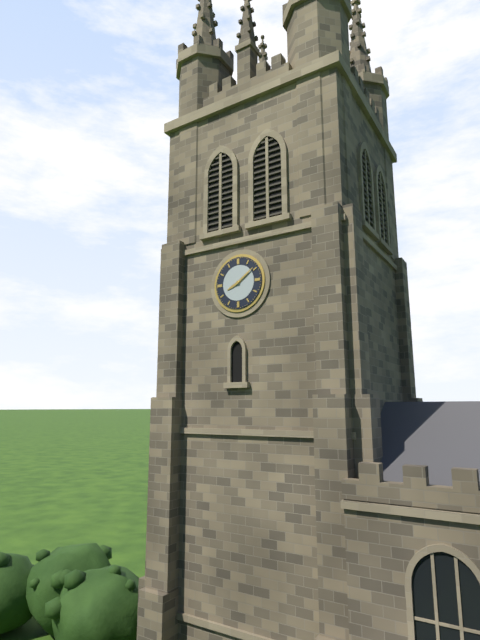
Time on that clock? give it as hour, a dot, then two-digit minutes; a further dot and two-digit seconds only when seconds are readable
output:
8.09
